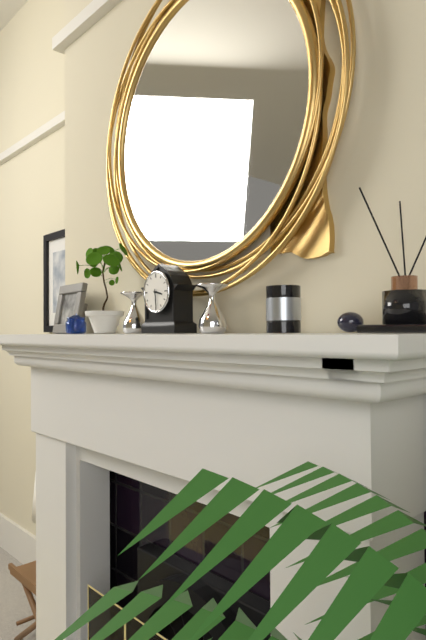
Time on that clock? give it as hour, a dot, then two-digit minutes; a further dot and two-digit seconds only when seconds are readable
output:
3.29
